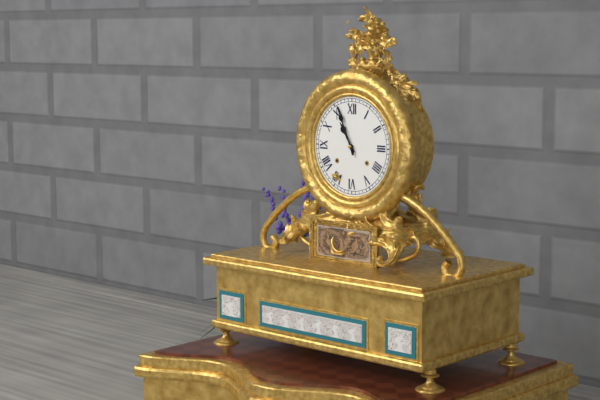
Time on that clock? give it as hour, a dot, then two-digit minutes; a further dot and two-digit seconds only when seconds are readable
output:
10.56
